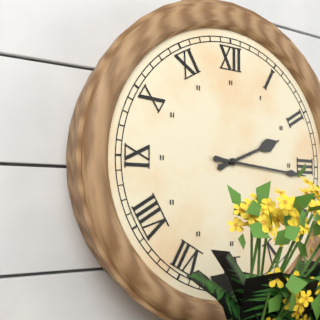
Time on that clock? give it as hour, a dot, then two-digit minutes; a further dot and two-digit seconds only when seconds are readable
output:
2.16
